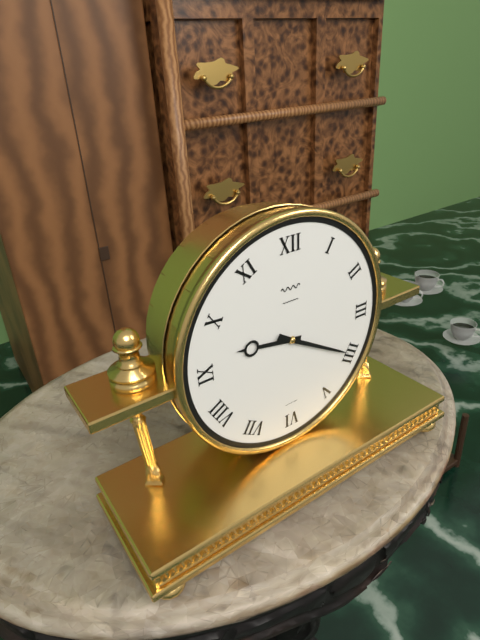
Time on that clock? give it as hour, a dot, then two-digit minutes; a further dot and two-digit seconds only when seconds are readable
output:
9.20
